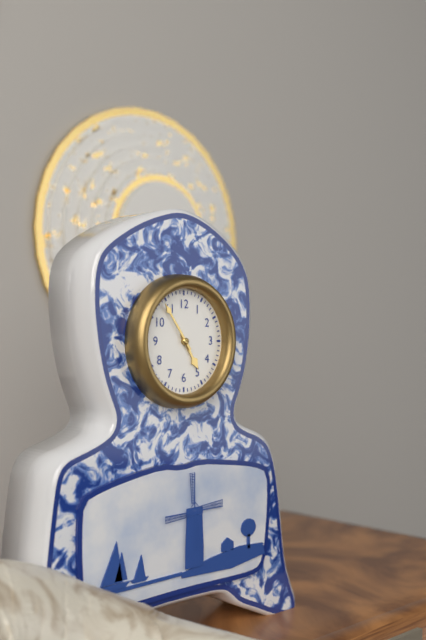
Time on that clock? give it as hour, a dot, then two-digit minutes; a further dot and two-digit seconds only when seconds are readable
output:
4.54
